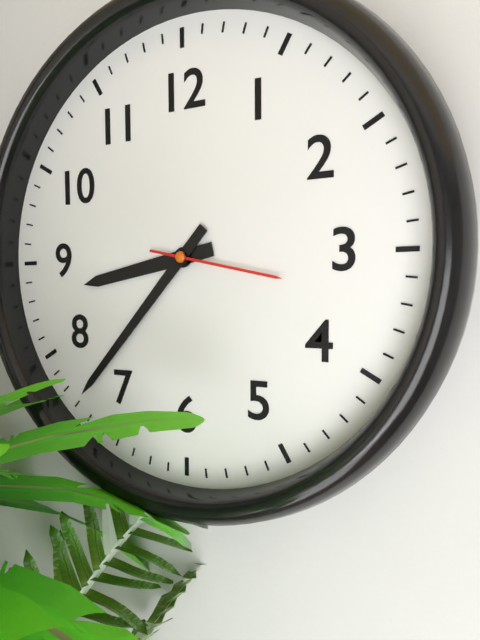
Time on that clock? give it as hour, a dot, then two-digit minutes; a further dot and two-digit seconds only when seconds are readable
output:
8.37.17
